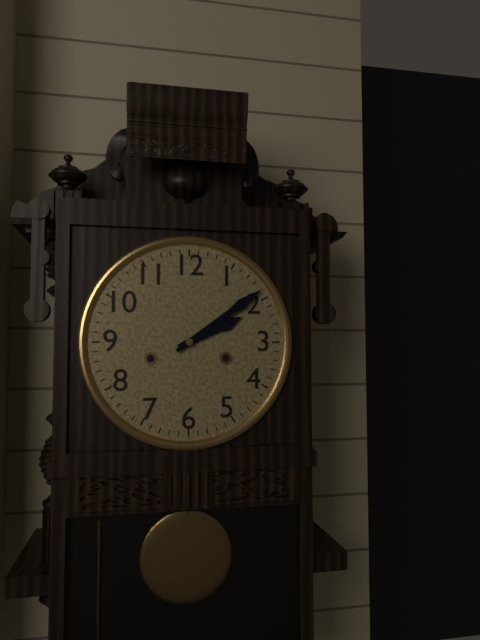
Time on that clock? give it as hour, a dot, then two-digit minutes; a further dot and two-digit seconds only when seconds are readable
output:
2.09
